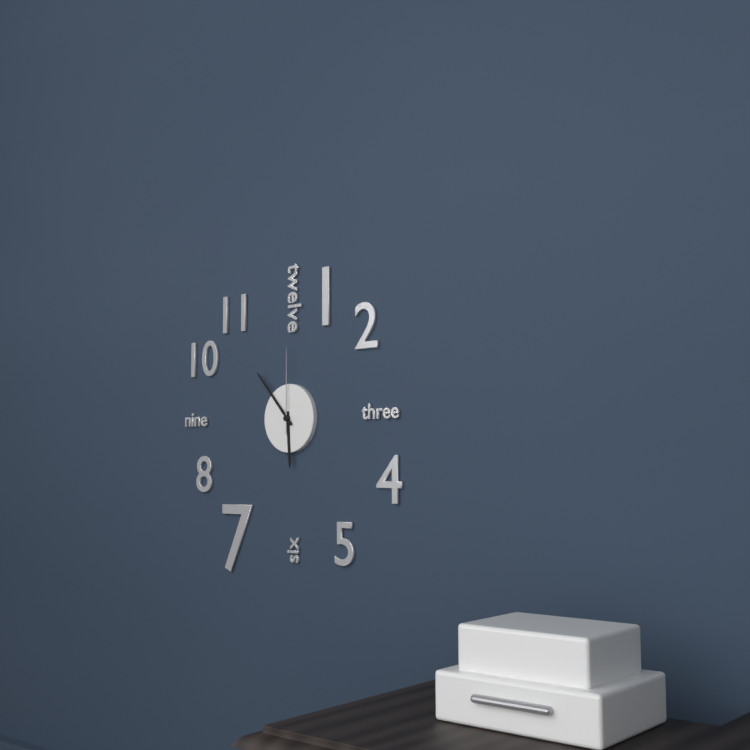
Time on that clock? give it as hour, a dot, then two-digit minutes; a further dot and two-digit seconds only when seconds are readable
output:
5.53.00
